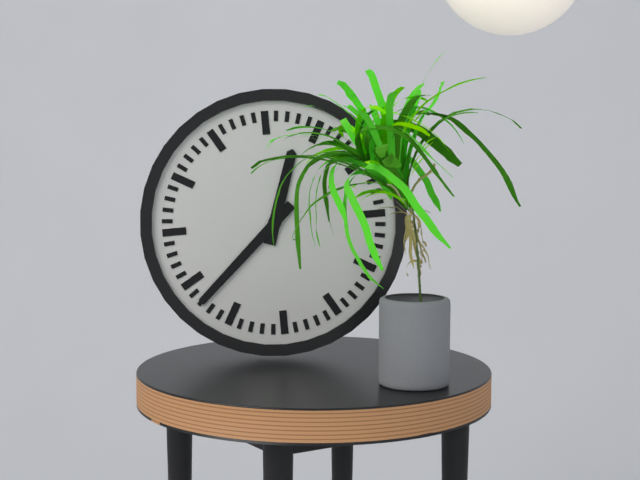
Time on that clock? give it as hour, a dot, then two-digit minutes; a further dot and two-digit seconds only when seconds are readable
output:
12.38
